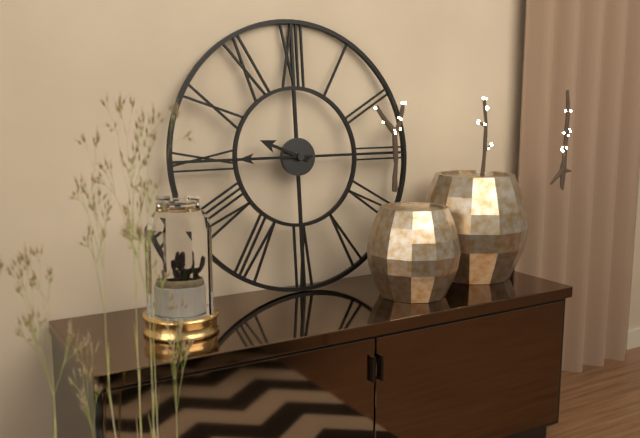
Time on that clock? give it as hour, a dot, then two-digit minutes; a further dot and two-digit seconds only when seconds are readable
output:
9.45
